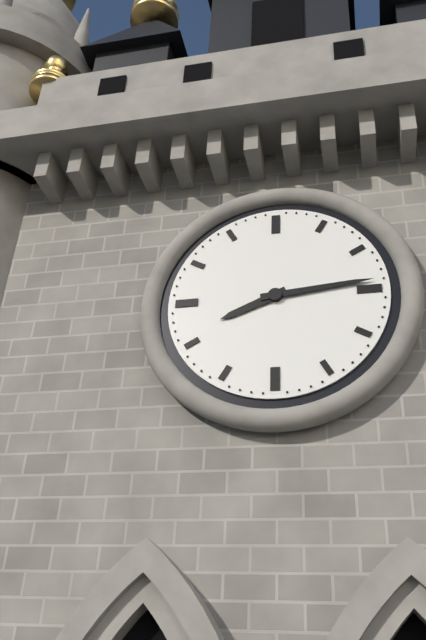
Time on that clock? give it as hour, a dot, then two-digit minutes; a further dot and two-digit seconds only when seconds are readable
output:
8.14
